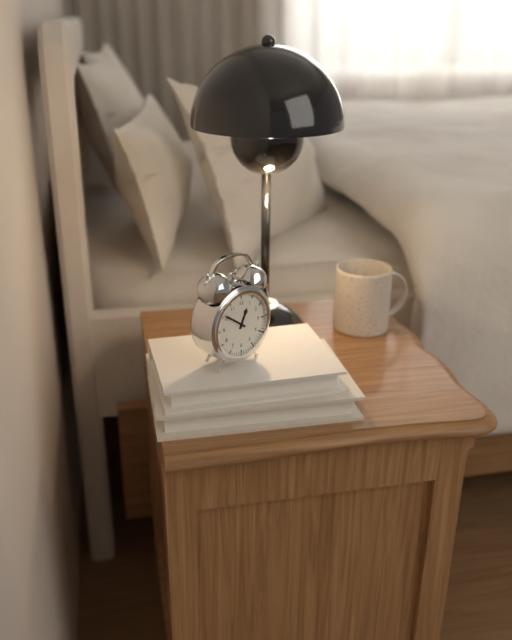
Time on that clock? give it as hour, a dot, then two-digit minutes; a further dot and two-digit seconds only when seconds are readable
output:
12.51
